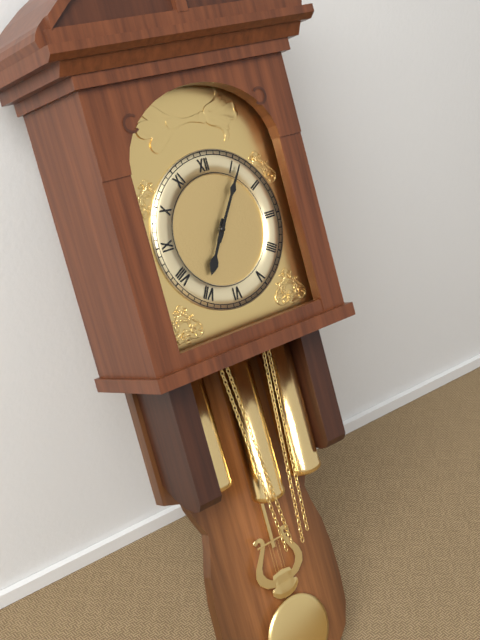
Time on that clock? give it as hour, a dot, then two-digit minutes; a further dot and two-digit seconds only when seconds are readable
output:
7.06
